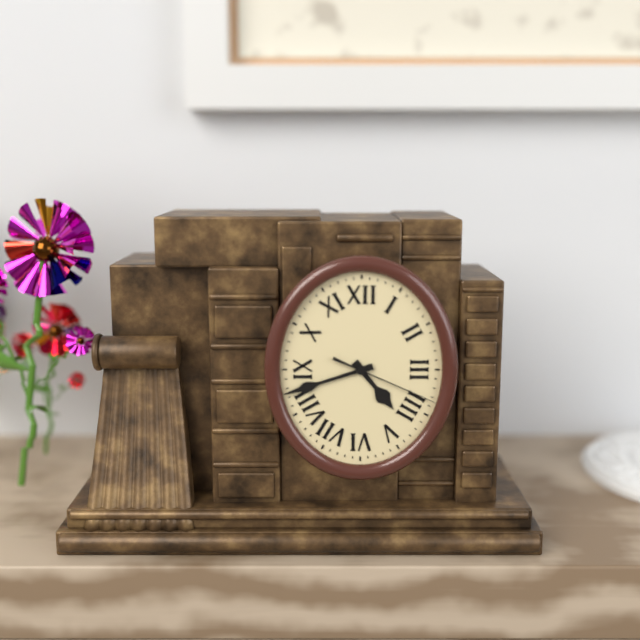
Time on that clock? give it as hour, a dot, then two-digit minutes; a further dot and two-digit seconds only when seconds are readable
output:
4.42.19
